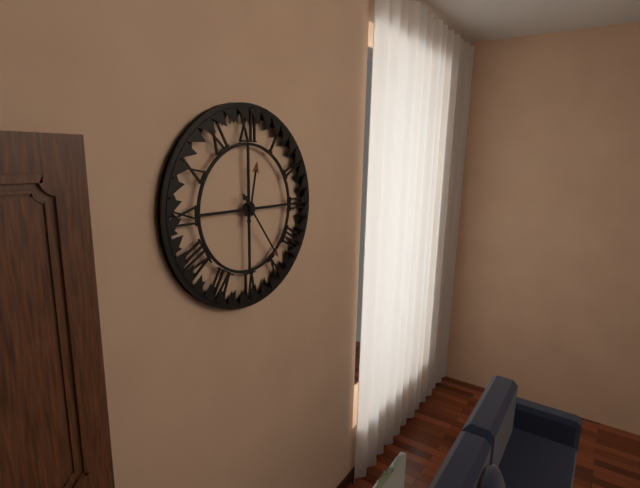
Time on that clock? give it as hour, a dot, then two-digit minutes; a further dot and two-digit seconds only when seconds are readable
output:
12.24
